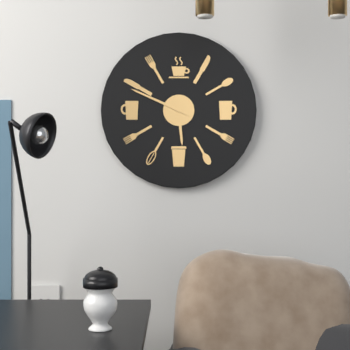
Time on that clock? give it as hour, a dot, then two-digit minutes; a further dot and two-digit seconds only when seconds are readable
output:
5.49
